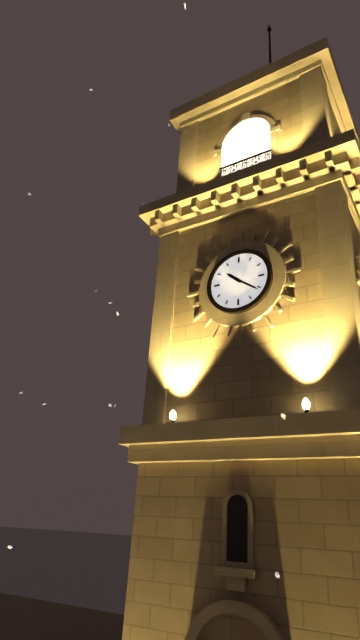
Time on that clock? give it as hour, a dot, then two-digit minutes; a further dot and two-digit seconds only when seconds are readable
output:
10.21
